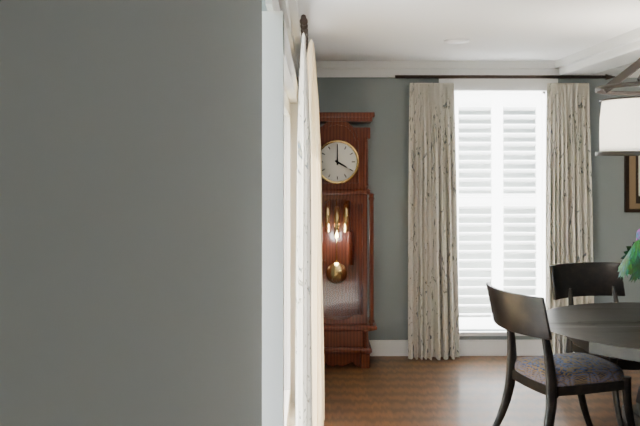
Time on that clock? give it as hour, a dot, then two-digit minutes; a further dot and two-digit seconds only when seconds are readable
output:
4.00
